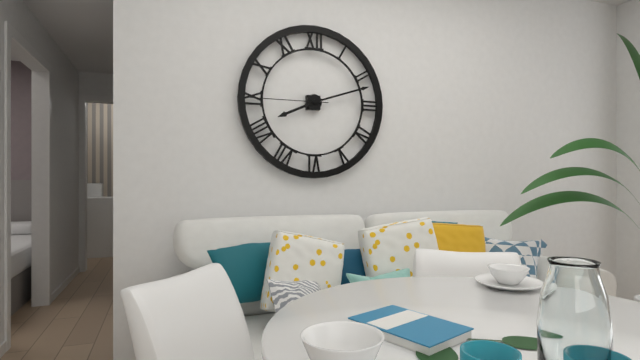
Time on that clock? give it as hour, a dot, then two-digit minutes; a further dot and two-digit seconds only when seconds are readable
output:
8.12.45
